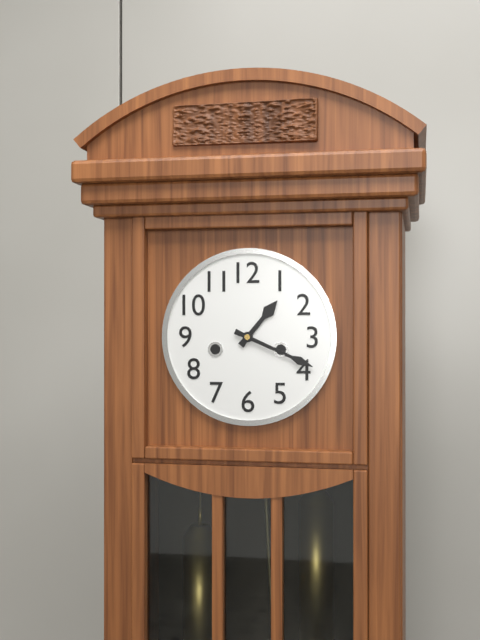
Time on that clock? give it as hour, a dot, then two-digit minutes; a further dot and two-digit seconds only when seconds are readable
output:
1.19
